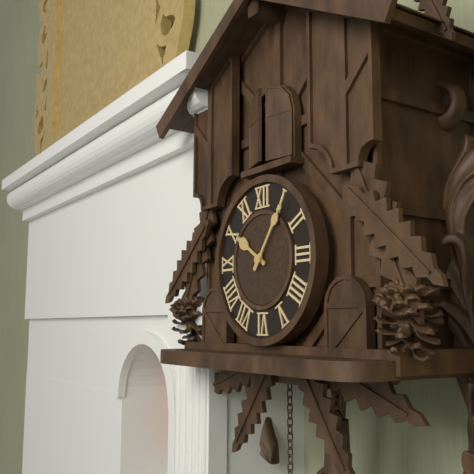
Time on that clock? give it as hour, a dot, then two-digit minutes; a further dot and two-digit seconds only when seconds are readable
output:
10.06
